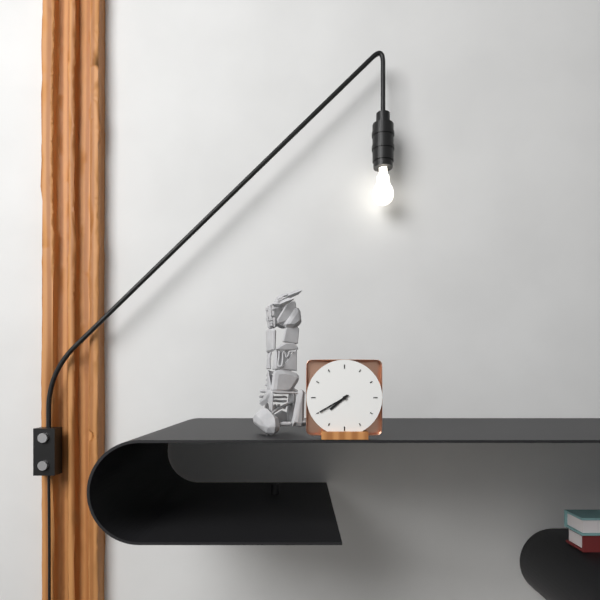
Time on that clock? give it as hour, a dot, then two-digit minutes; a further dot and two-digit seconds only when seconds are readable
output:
7.40
